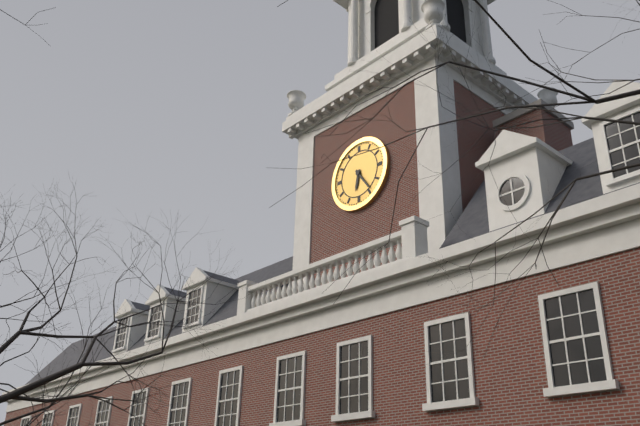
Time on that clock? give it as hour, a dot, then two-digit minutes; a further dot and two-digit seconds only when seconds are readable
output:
6.24
